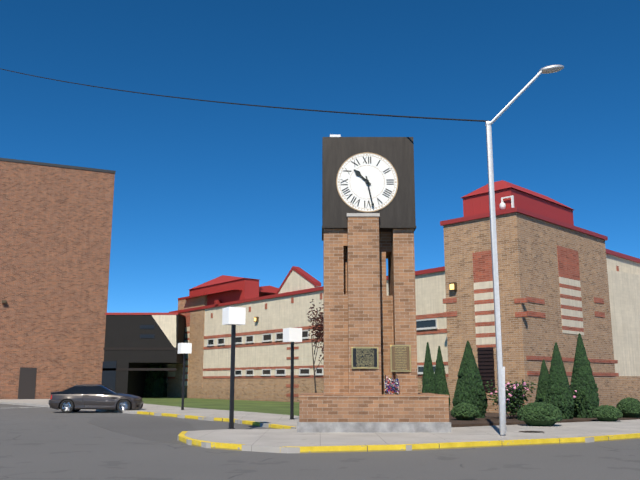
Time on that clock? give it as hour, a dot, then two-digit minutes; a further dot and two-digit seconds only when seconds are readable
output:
10.28
